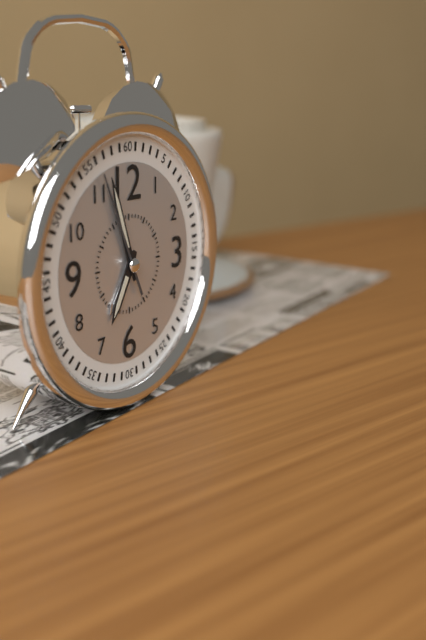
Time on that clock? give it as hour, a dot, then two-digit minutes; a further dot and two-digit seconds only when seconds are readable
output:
6.57.56
